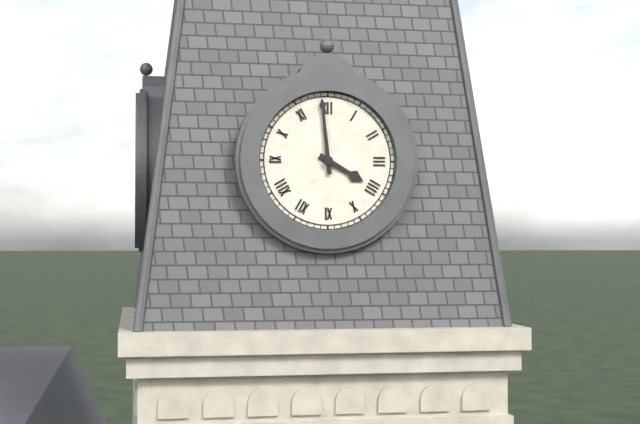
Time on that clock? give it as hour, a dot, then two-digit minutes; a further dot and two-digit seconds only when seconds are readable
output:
3.59
